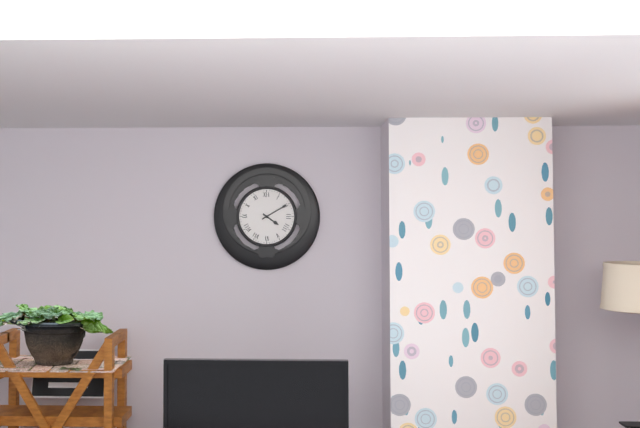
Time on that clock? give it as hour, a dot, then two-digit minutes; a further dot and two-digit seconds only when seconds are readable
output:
4.10
